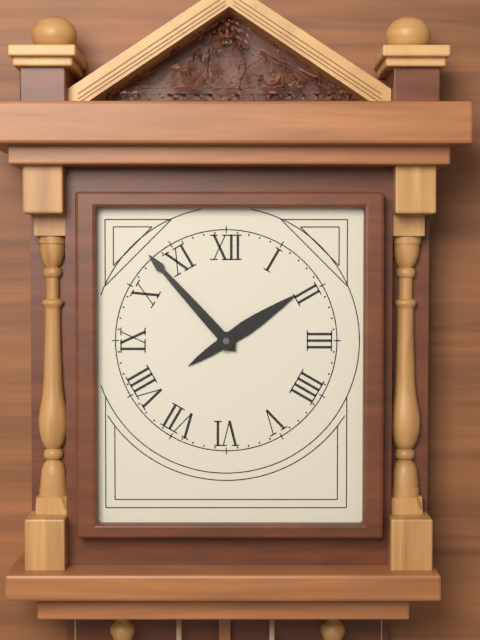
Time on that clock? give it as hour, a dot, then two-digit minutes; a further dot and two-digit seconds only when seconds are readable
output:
1.53
